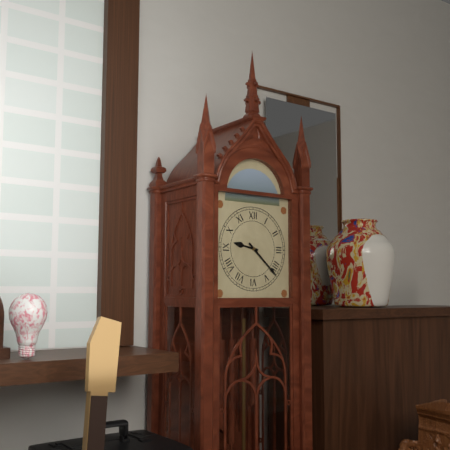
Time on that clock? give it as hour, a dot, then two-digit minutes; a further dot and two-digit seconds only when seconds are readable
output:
9.22
